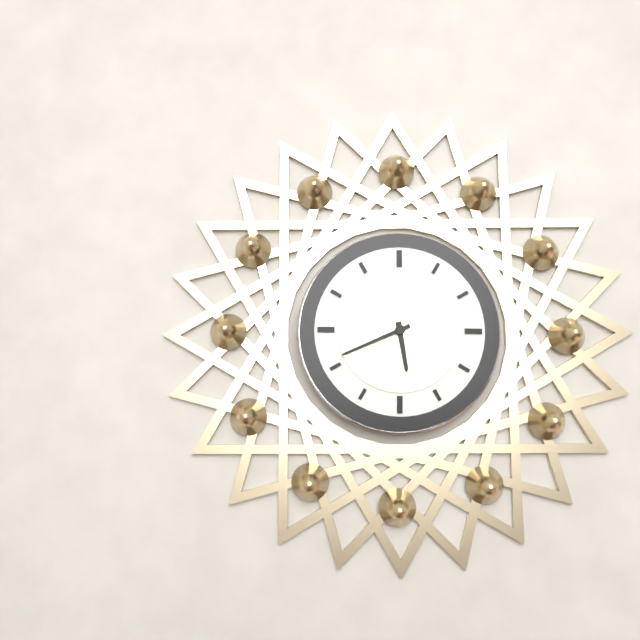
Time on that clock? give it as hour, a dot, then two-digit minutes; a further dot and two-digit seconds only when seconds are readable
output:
5.41
